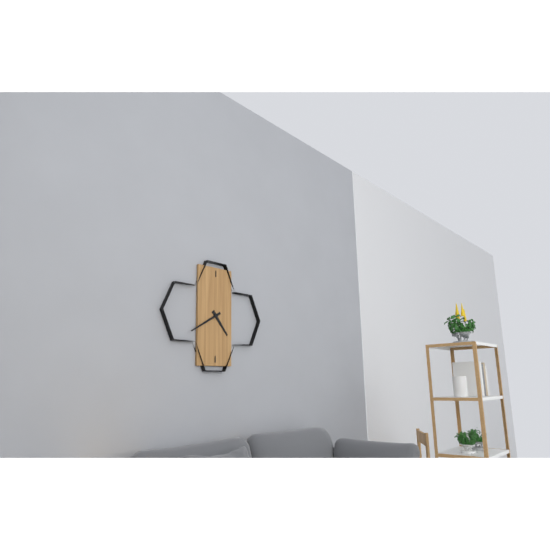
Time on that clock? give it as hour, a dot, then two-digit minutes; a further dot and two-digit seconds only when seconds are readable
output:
4.40
